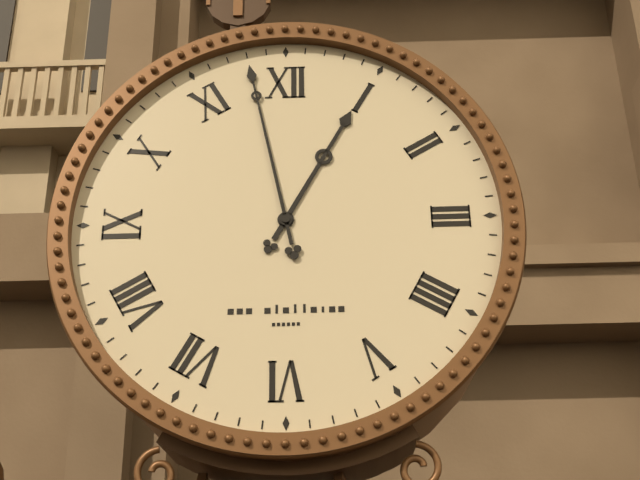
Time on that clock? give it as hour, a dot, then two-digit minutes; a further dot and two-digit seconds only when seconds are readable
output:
12.58
